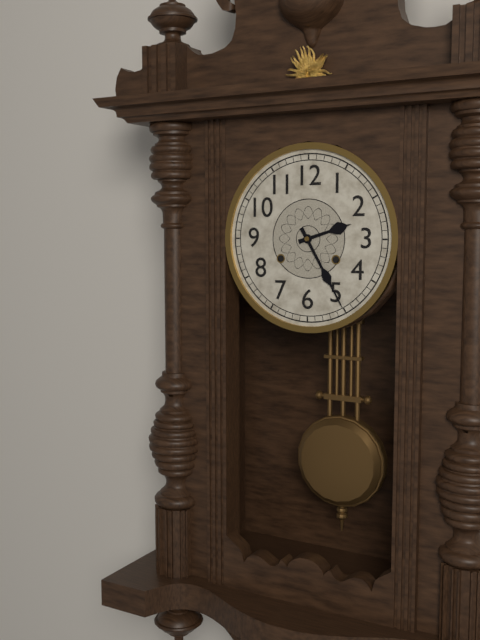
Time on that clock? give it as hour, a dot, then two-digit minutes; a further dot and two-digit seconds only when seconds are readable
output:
2.25
